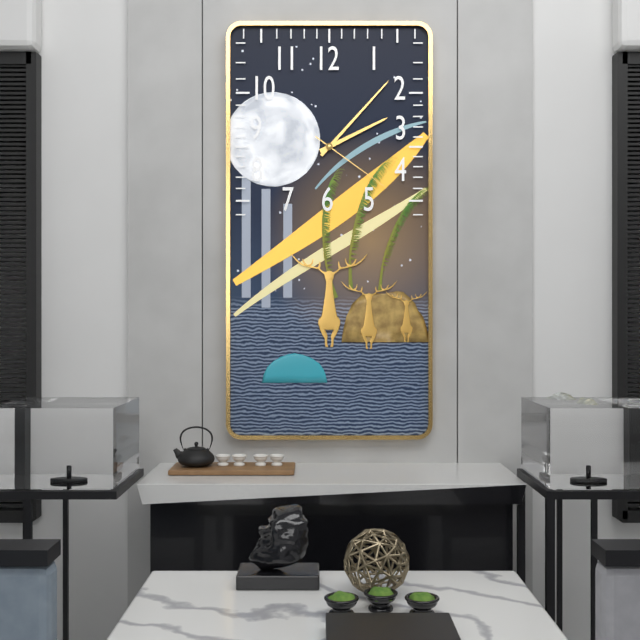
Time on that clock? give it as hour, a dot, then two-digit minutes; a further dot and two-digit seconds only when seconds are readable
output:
2.07.21
